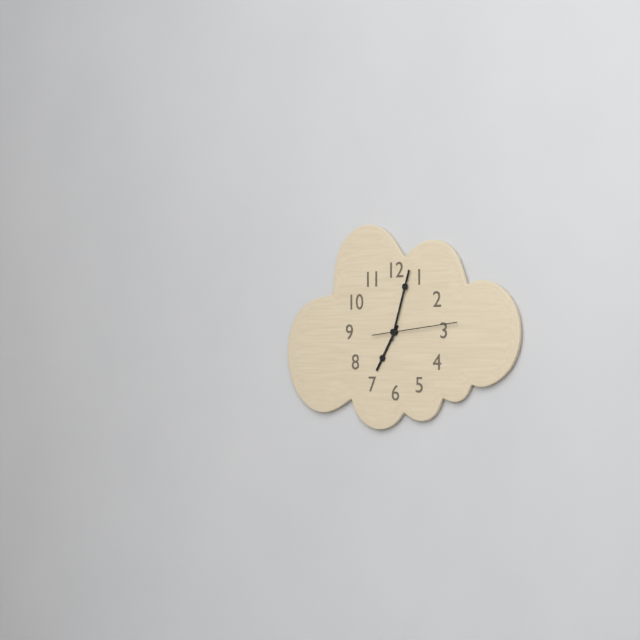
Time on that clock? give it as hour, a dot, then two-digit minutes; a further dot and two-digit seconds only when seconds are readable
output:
7.03.14
